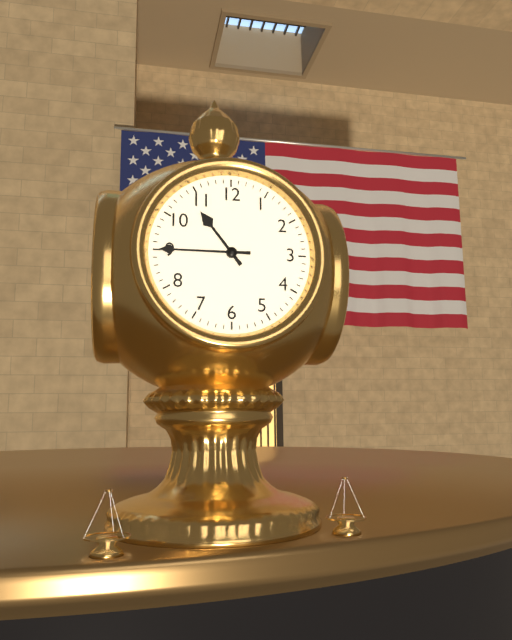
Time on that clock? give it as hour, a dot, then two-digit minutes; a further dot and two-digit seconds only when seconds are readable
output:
10.45
